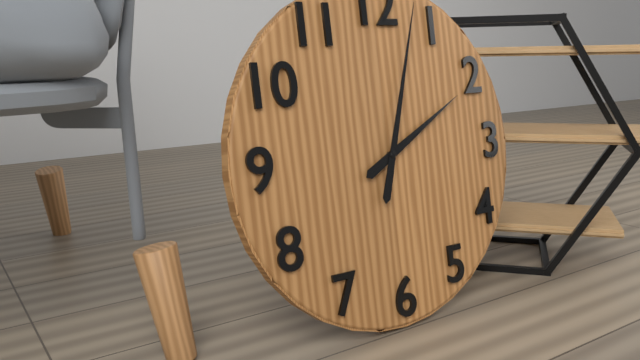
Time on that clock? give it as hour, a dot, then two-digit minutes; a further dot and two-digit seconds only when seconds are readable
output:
2.03
